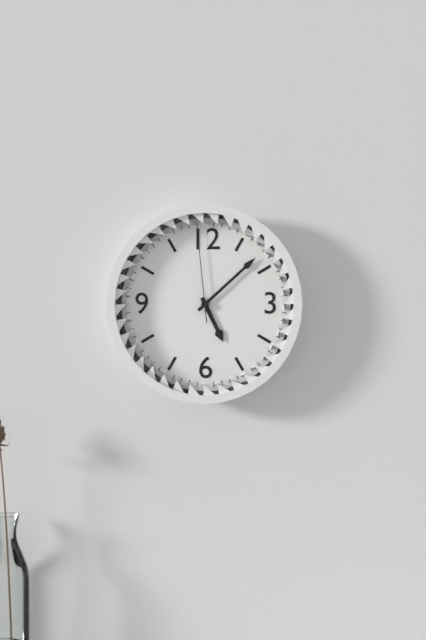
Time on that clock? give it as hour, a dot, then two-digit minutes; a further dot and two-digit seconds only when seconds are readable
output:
5.08.59
